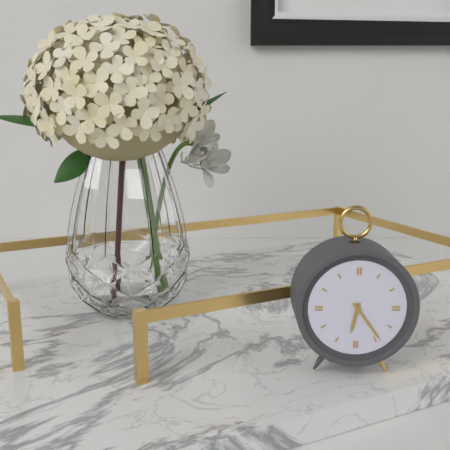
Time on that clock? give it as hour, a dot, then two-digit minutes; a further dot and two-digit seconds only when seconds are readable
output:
6.24
